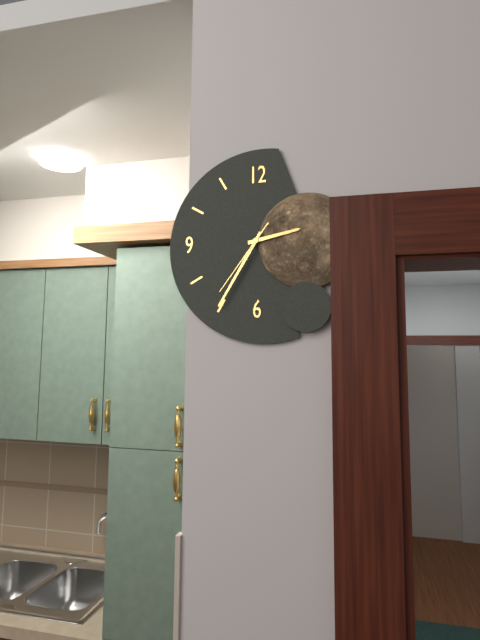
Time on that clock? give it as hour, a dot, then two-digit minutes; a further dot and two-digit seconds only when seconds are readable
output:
2.35.36
